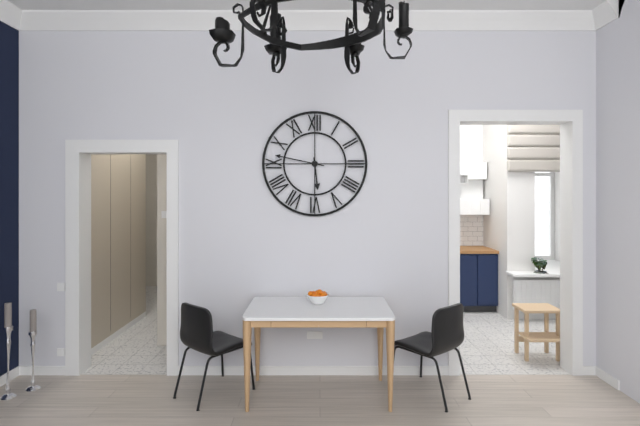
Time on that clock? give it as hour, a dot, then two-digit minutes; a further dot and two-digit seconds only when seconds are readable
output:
5.47
